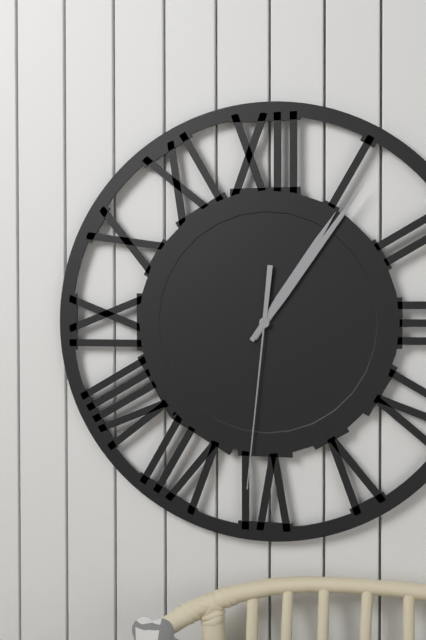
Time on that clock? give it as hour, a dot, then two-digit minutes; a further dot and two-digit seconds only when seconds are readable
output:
1.06.31
